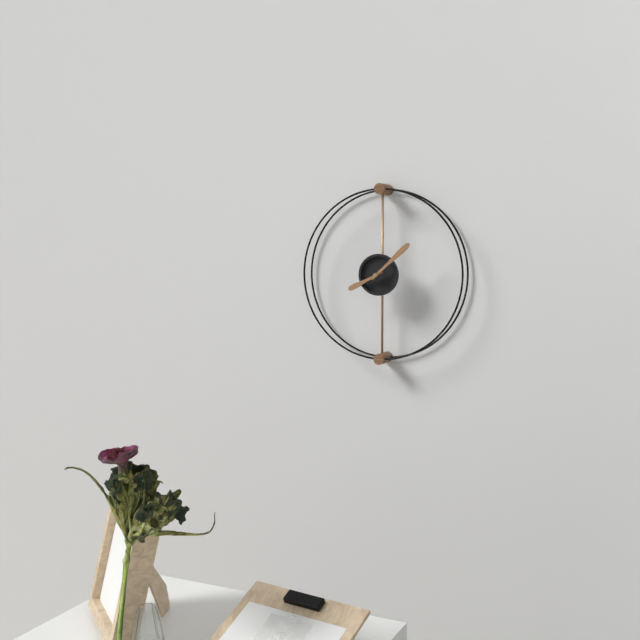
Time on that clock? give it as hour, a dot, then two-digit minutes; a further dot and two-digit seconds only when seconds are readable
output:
8.08
